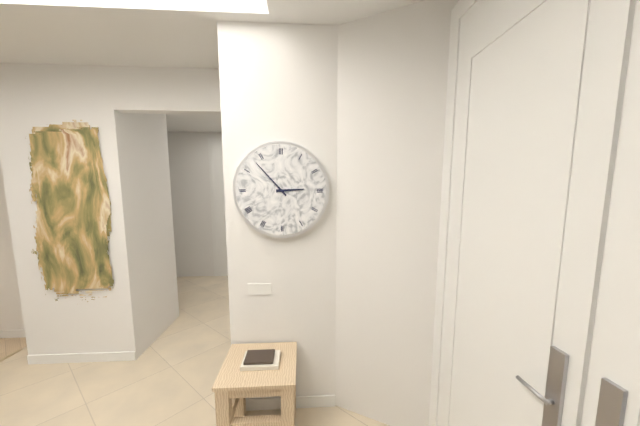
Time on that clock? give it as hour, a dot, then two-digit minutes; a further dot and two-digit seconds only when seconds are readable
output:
2.53
